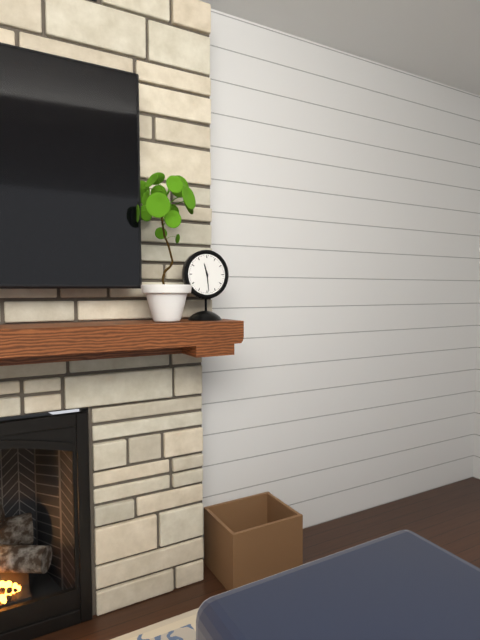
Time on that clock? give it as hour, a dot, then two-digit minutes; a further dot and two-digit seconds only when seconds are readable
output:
11.29
